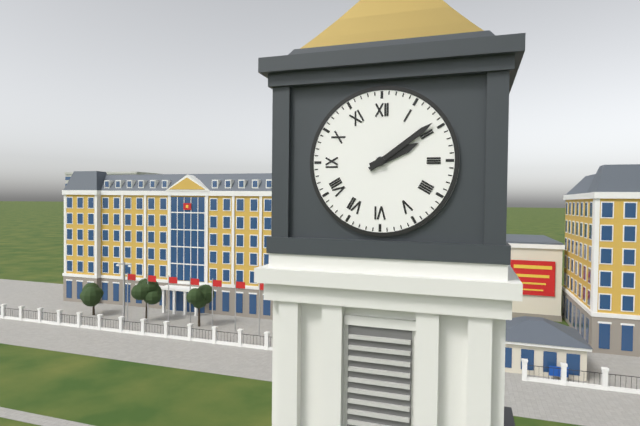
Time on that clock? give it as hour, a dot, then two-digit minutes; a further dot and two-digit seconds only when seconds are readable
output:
2.09
